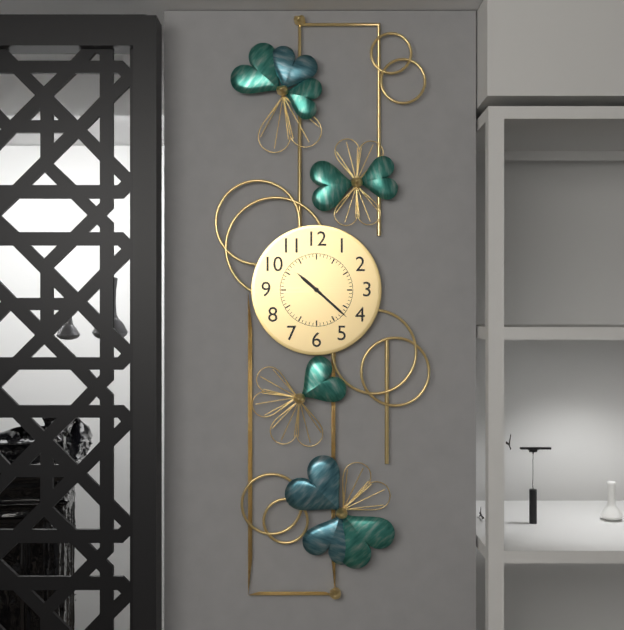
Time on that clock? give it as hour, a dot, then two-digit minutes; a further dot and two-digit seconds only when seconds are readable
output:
10.22
